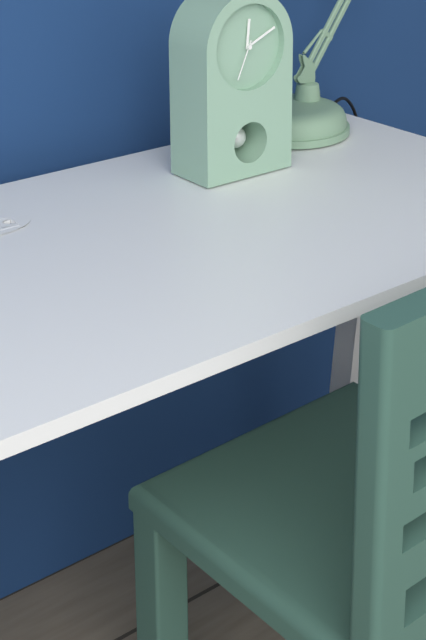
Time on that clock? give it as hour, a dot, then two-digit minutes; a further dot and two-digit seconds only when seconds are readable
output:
12.11
